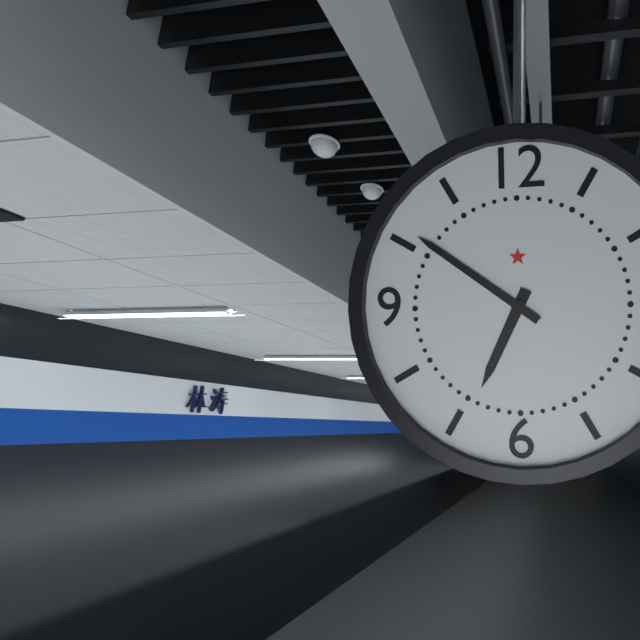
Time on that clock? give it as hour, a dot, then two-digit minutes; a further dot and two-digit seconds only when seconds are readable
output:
6.51
